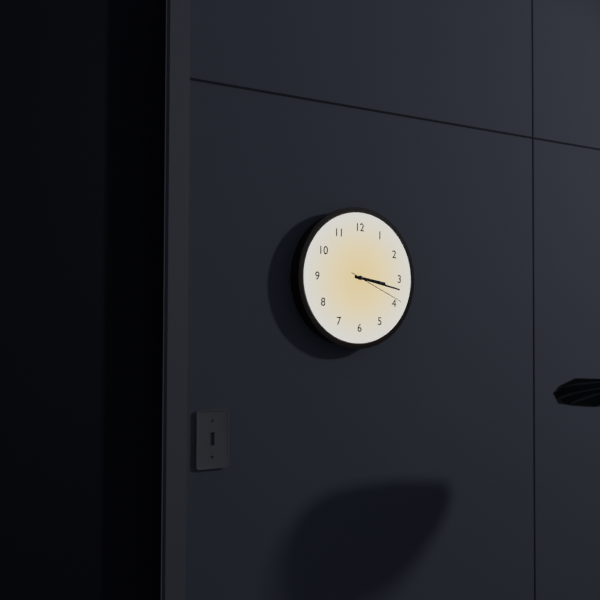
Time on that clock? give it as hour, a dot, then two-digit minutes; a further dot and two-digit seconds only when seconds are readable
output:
3.17.19
